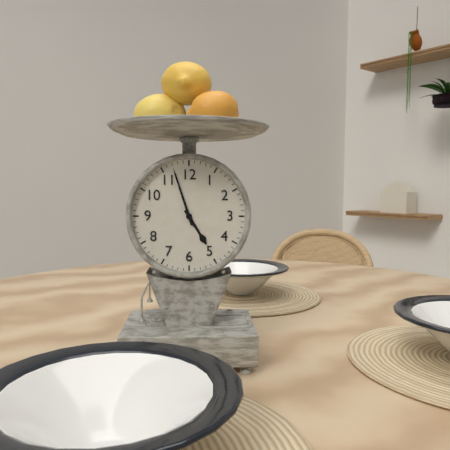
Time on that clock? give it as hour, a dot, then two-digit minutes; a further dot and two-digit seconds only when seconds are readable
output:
4.57
